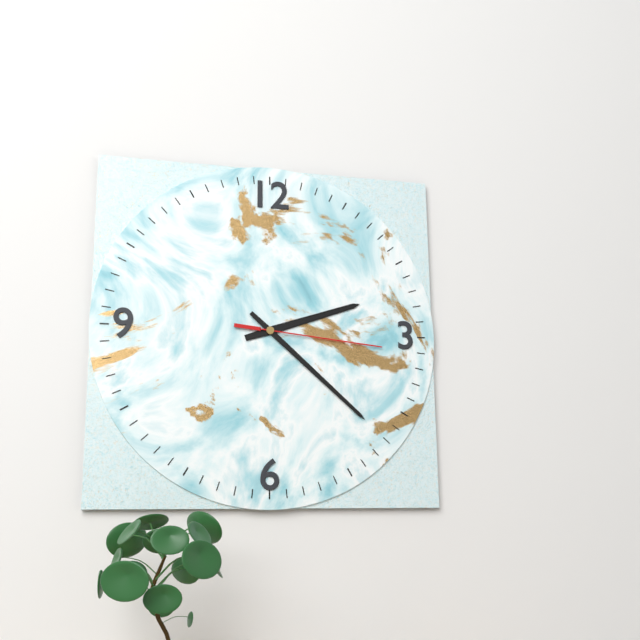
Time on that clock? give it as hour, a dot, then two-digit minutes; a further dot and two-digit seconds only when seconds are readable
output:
2.22.16
